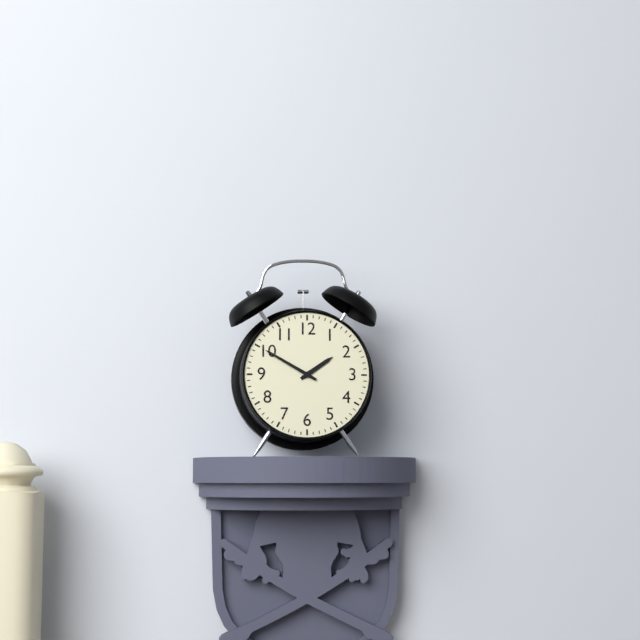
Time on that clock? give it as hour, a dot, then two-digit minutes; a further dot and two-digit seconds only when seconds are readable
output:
1.50
